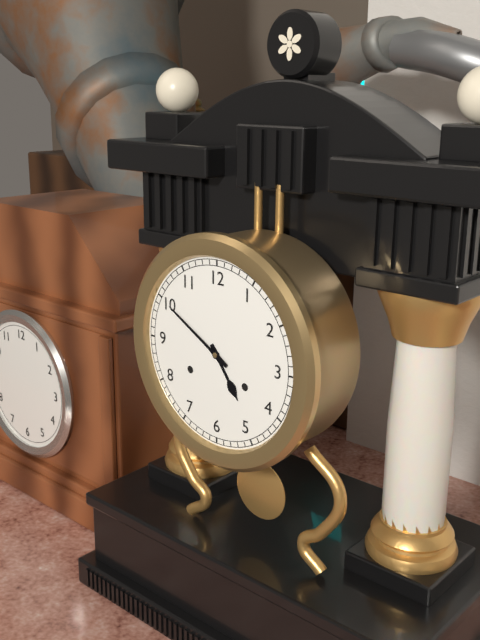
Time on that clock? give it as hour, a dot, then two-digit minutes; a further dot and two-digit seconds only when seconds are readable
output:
4.50
